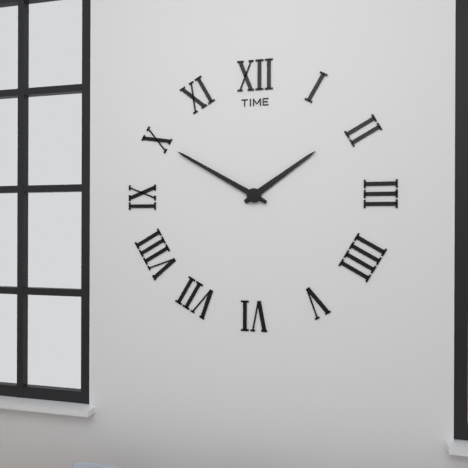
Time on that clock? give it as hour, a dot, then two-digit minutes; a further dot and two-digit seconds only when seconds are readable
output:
1.50
